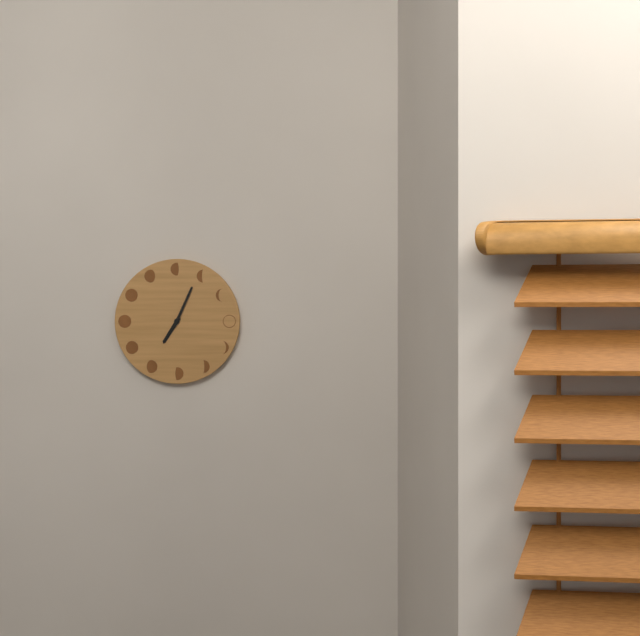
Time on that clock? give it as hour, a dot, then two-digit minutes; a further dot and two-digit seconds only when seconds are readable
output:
7.04
